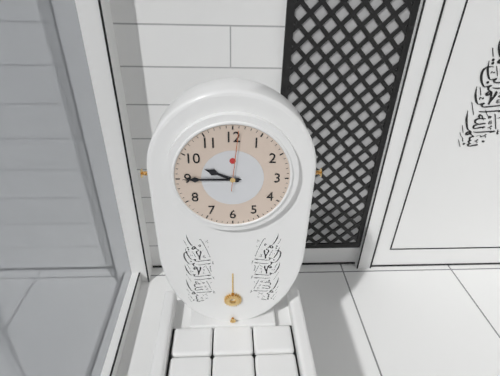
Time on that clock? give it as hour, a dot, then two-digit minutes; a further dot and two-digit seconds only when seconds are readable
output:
9.45.01
